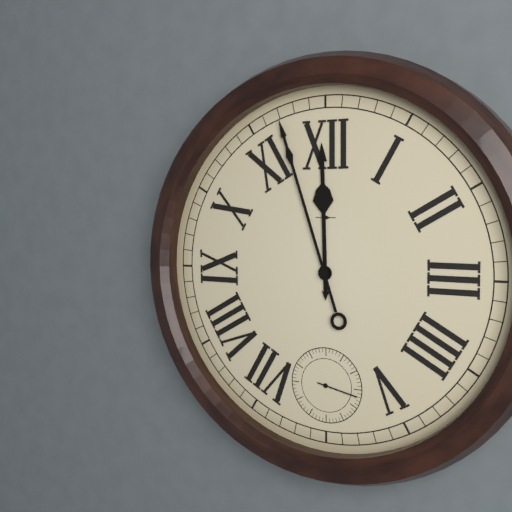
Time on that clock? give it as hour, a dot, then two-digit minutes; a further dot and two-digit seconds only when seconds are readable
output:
11.57
